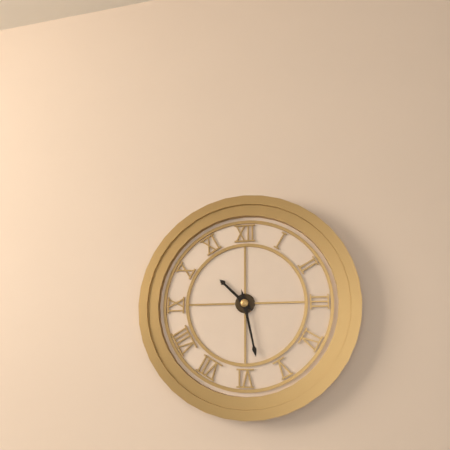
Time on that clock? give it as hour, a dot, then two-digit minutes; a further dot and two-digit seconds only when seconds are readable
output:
10.28
